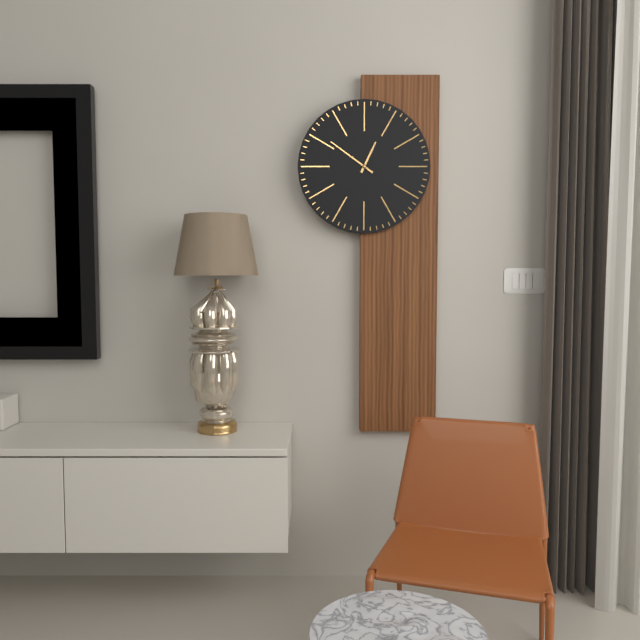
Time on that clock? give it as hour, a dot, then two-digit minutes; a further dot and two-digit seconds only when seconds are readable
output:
12.51
